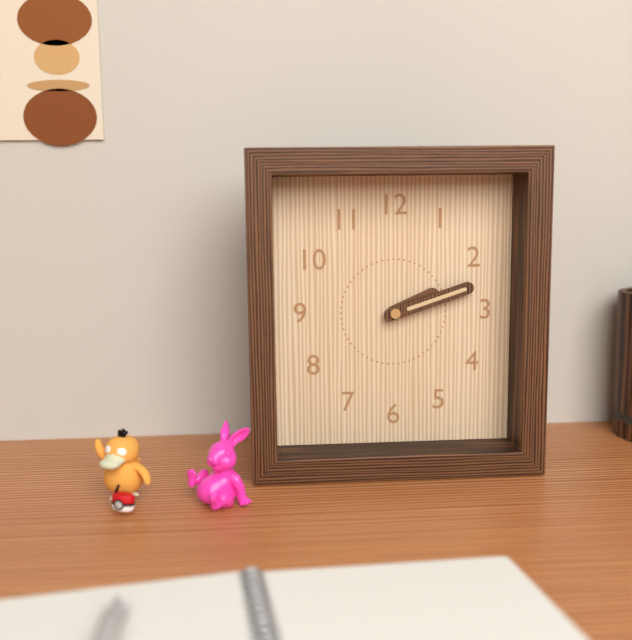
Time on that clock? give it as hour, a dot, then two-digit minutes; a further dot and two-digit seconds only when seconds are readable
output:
2.12
